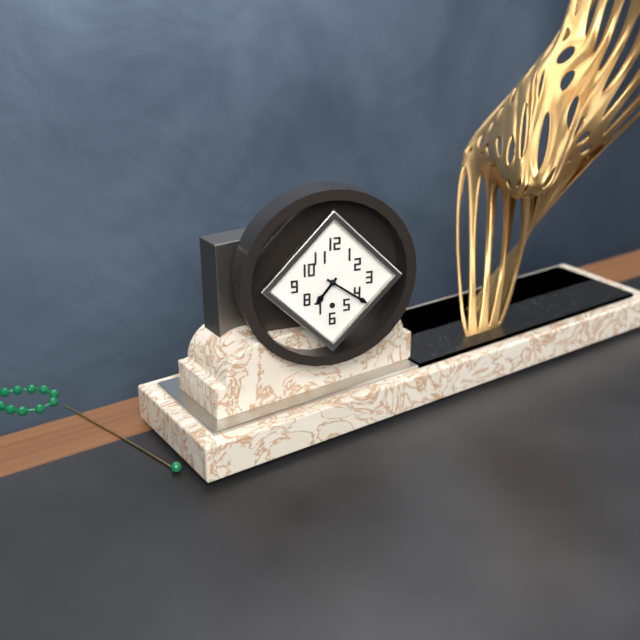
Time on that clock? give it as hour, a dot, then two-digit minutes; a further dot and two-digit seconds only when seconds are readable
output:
7.21
